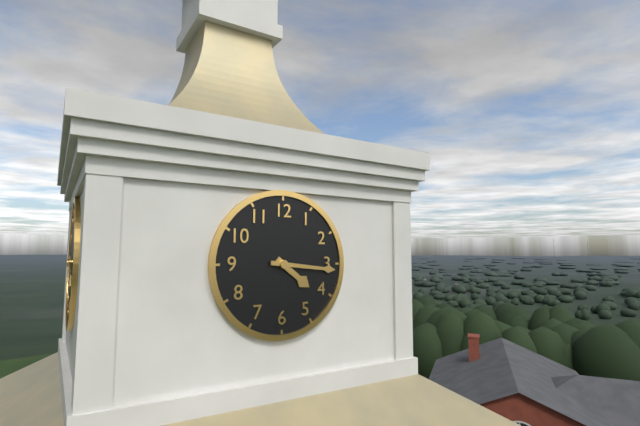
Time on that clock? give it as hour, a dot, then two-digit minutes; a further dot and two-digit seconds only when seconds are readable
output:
4.16
